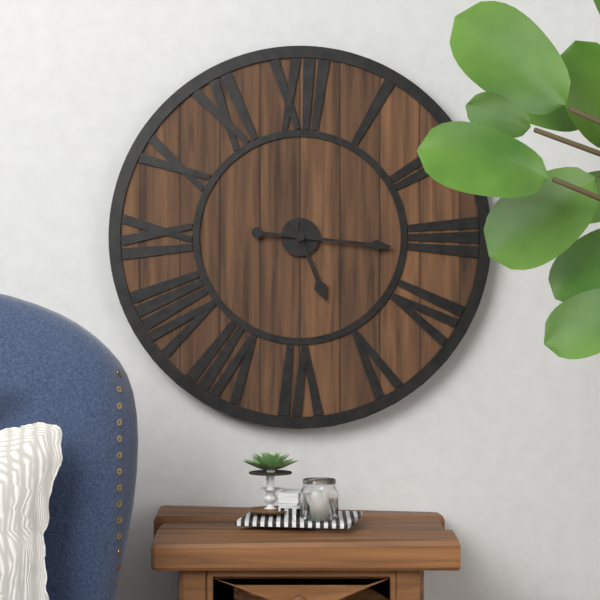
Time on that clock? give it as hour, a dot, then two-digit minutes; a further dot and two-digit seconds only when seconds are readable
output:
5.16
